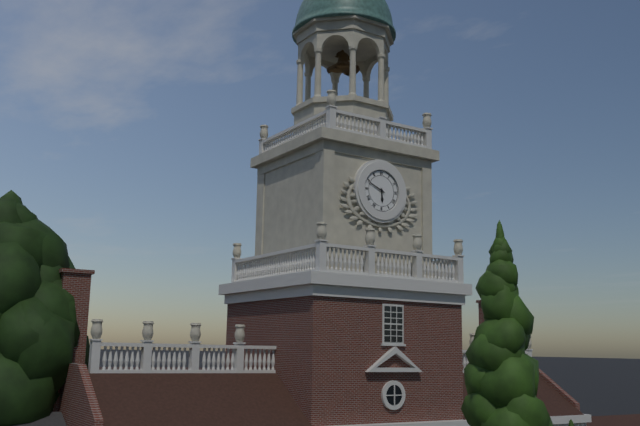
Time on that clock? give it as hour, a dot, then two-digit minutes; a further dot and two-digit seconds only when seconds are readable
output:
5.49
